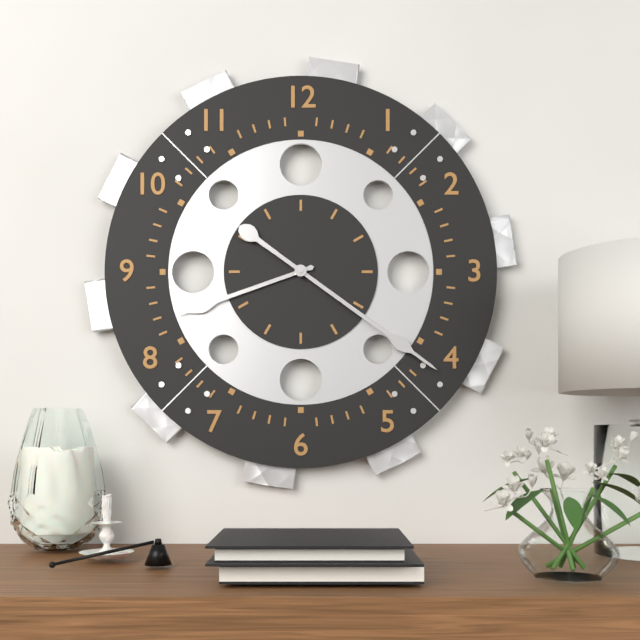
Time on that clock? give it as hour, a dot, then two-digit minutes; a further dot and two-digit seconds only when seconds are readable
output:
8.21
